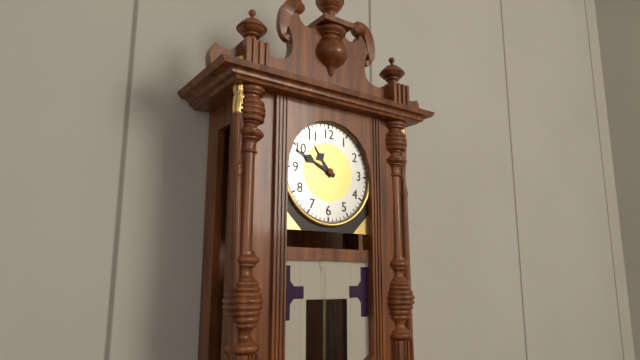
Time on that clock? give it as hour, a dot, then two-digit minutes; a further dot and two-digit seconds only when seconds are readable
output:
10.49
